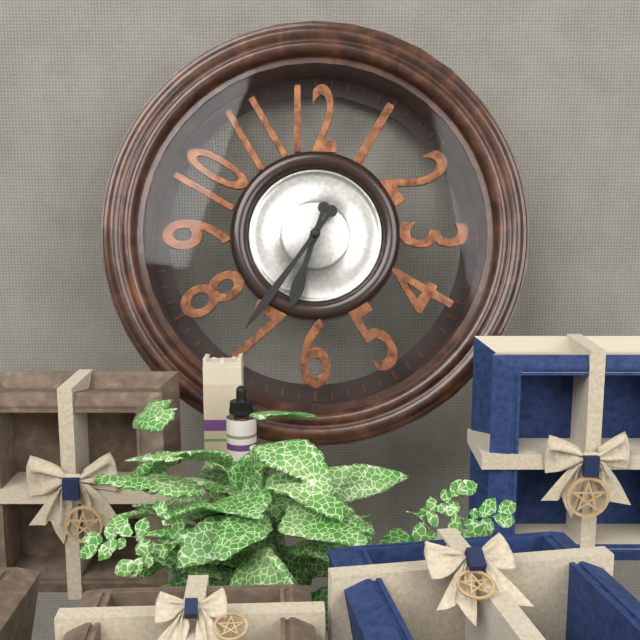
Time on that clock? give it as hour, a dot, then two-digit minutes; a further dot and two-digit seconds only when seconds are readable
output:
6.36
